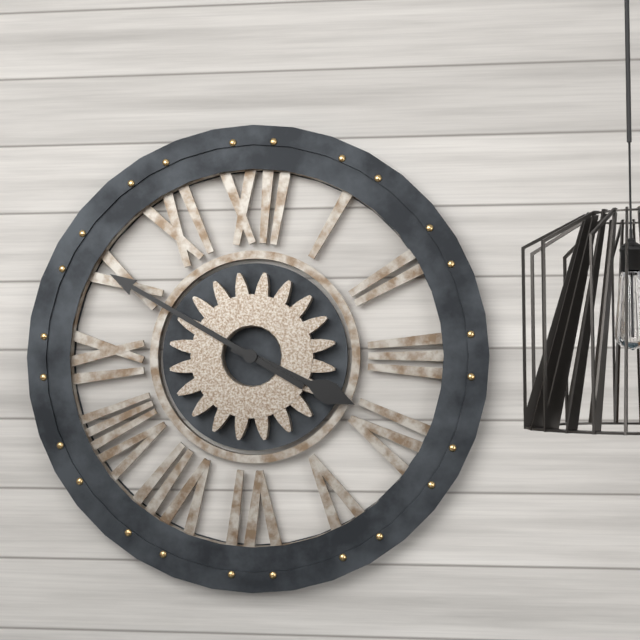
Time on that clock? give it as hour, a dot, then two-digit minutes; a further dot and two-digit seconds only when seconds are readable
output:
3.50
